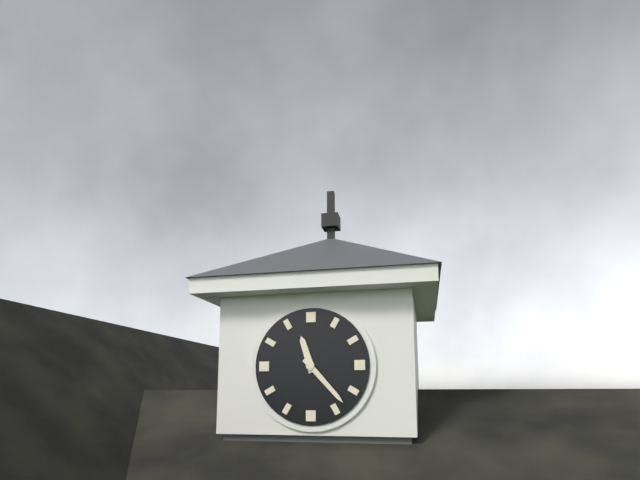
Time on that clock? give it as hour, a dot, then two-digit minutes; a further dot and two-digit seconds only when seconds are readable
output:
11.23
